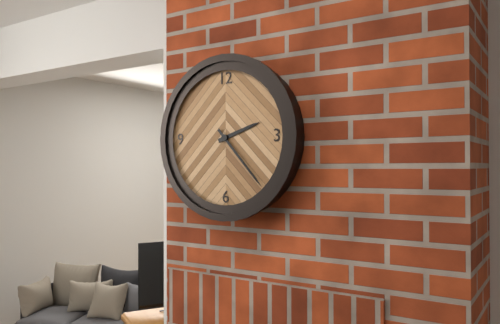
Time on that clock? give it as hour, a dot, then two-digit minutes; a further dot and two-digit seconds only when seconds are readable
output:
2.23
